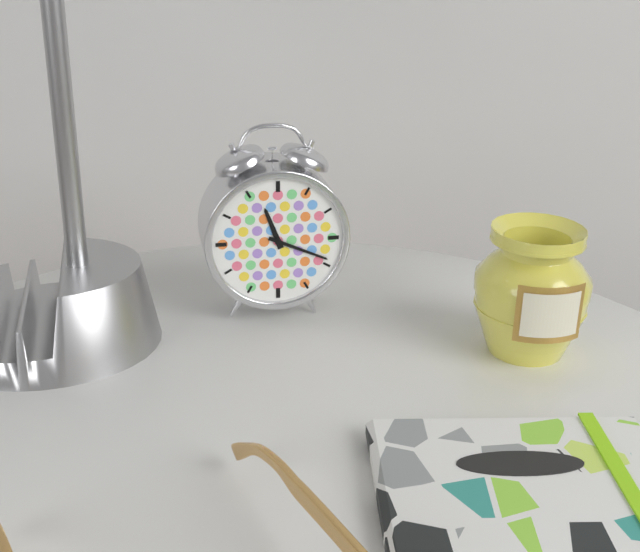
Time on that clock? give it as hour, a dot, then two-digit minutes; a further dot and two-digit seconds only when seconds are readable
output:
11.19
